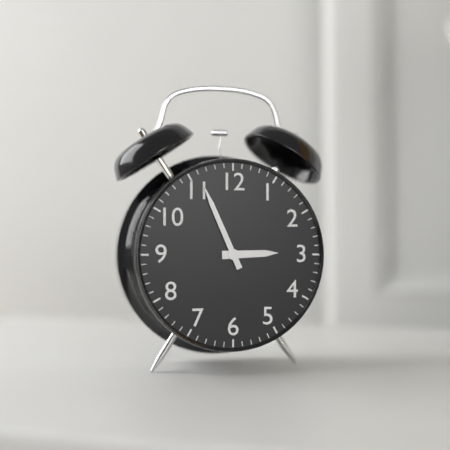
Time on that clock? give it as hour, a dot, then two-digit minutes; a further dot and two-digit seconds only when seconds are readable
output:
2.56
